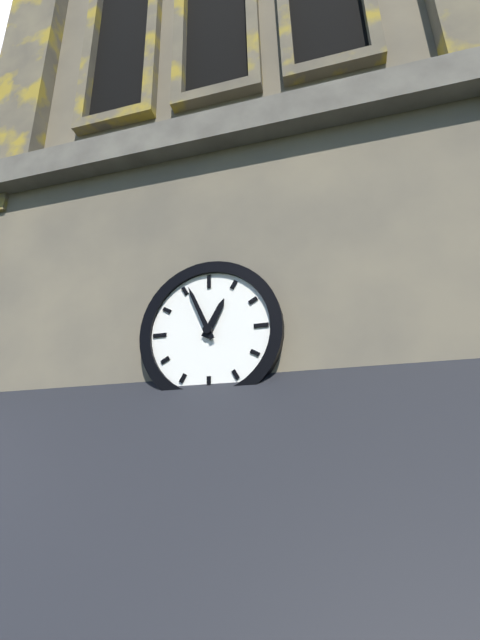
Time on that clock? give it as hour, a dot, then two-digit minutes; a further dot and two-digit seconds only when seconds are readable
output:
12.56
